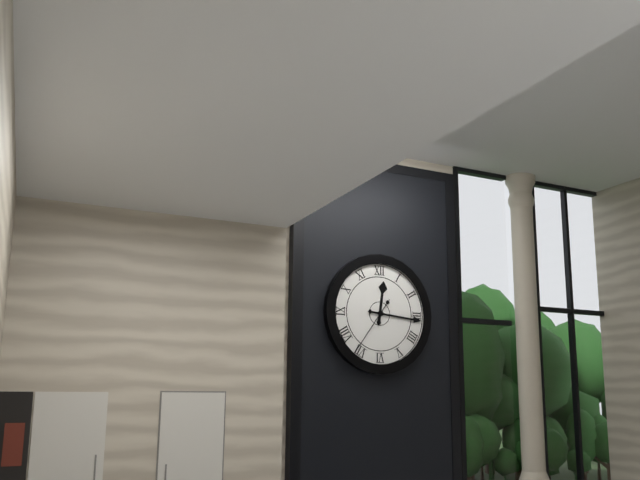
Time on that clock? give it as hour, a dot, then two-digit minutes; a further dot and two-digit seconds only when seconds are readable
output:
12.16.36
